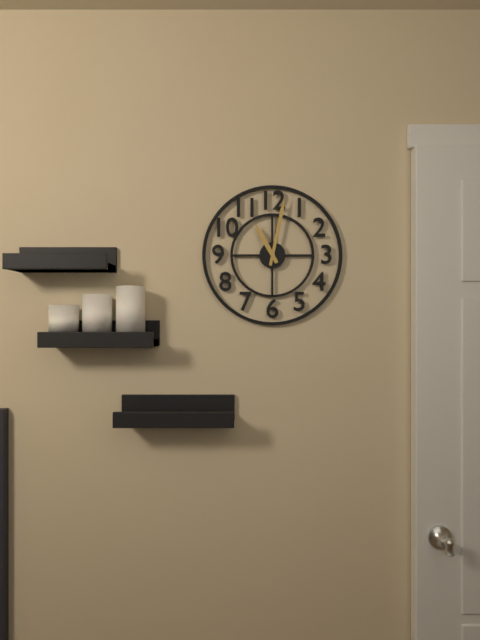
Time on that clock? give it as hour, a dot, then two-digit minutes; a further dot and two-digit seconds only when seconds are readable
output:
11.02
